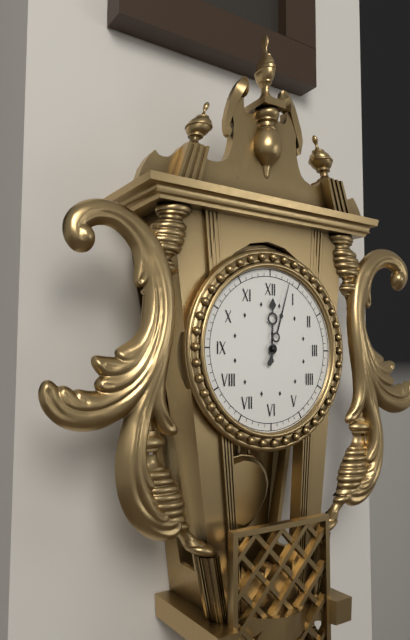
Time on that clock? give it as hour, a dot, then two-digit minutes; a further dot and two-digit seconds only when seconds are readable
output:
12.03
